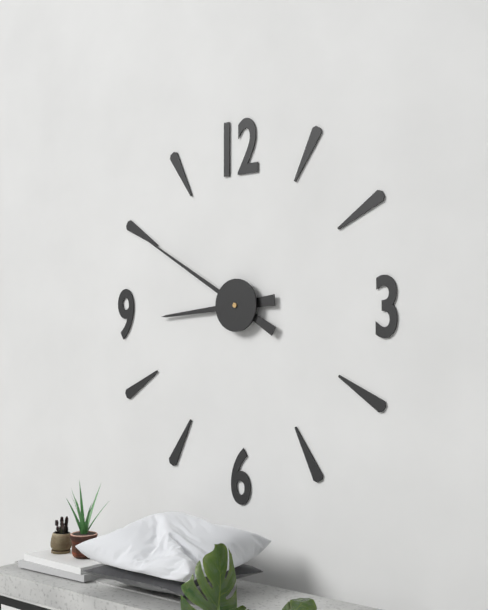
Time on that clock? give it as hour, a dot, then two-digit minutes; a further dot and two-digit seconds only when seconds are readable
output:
8.50
